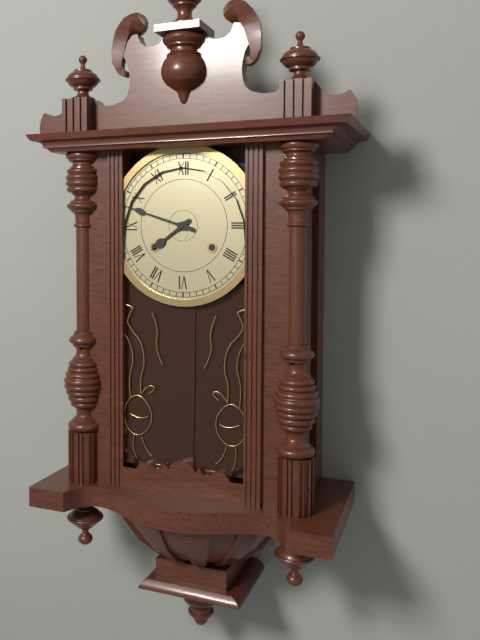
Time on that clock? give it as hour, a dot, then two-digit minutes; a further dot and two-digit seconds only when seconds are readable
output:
7.48
